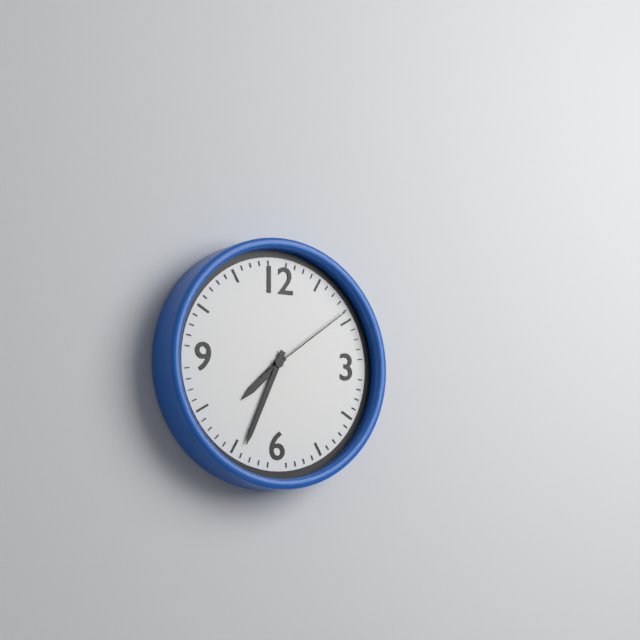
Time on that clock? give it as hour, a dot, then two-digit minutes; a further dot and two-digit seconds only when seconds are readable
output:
7.34.09
